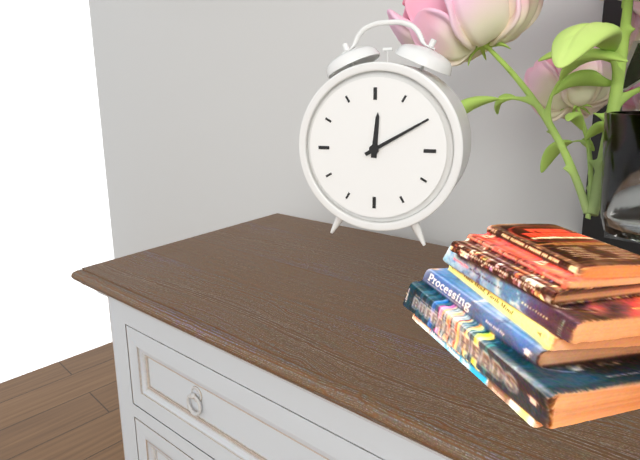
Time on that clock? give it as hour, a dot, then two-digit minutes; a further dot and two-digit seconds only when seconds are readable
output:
12.10
